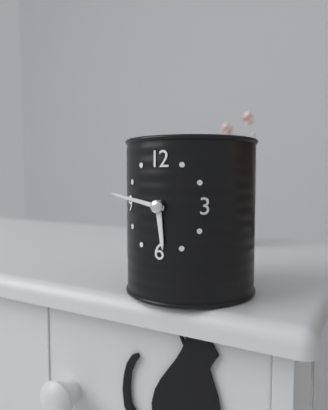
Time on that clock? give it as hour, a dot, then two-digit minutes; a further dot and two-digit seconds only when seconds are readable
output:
5.47
